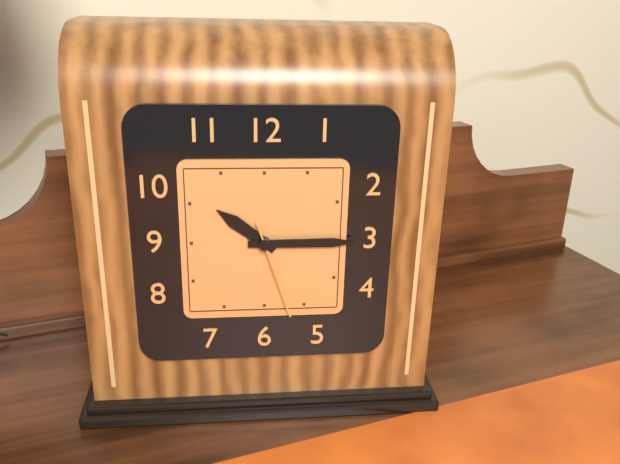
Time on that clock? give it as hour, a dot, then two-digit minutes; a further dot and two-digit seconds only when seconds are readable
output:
10.15.27
